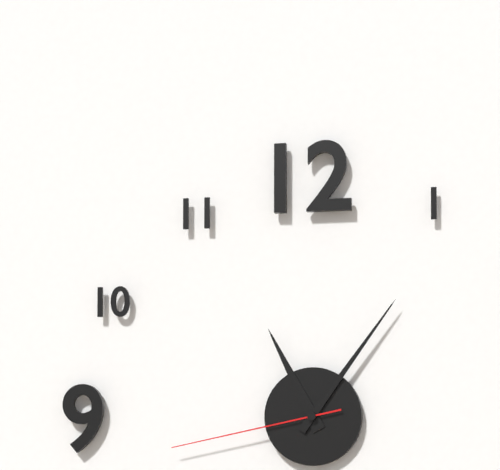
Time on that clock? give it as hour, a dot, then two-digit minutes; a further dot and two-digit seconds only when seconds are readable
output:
11.06.43
